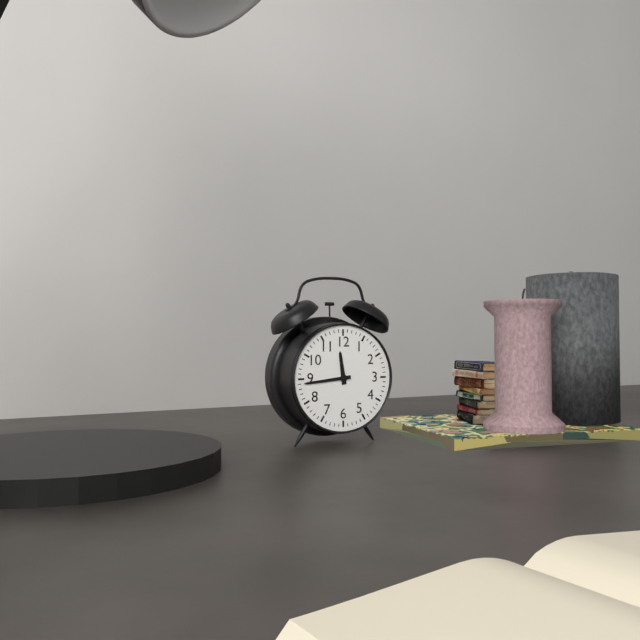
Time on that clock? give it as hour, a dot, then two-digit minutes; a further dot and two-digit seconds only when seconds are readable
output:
11.44
